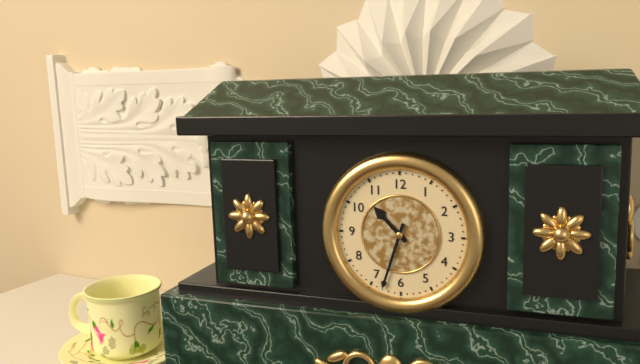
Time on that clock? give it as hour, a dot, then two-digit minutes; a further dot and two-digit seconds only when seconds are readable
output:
10.33
